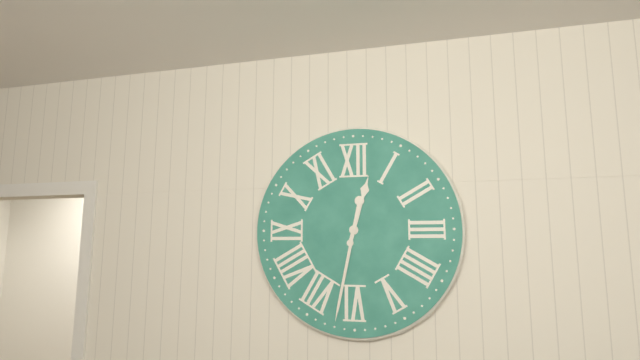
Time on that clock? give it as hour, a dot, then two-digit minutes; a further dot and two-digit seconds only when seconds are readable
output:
12.32
